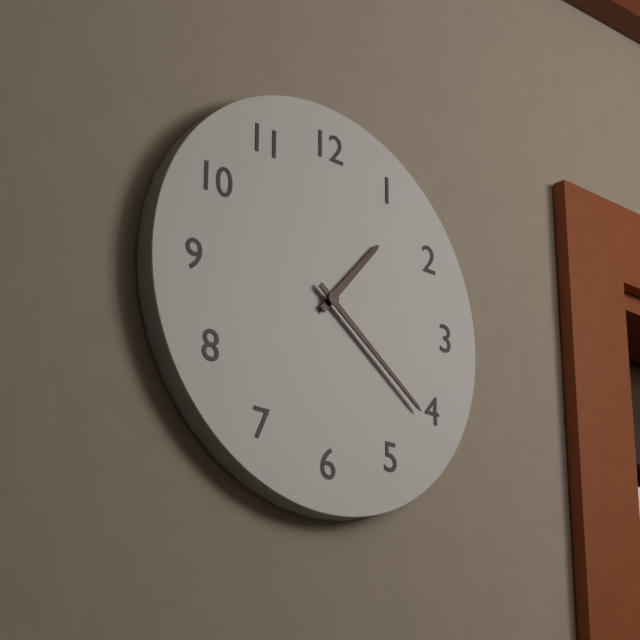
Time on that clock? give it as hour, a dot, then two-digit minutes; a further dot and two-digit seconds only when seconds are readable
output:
1.21
